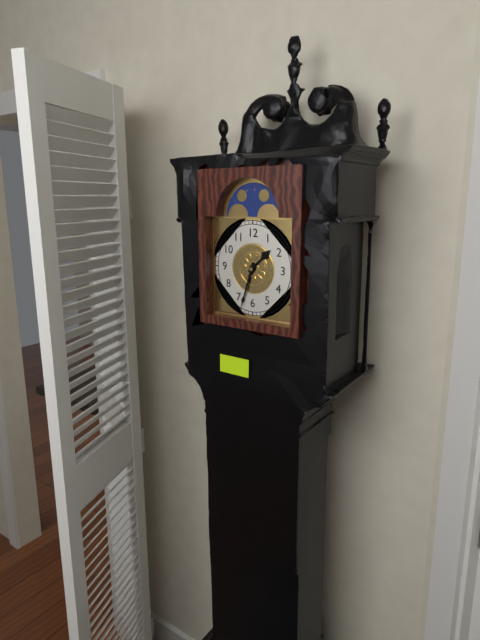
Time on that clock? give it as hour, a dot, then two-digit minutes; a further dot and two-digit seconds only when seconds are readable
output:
1.33
